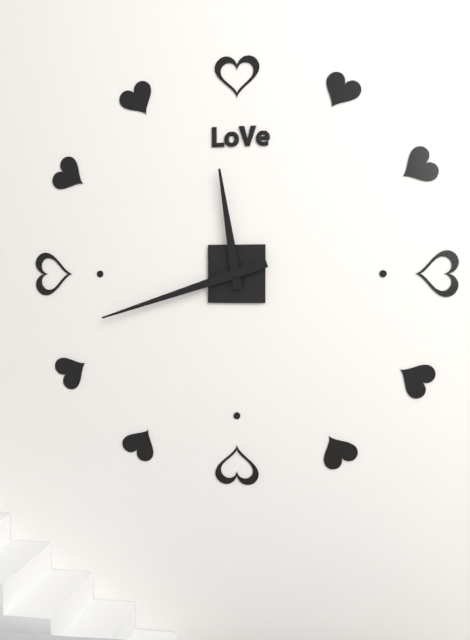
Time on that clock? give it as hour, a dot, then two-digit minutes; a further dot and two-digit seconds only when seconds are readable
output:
11.42
